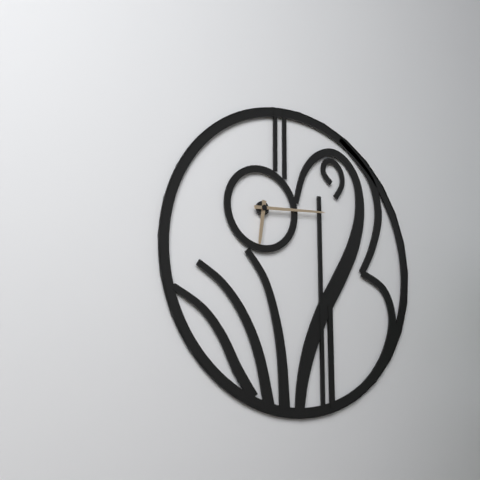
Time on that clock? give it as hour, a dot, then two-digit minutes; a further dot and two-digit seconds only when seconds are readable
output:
6.14
